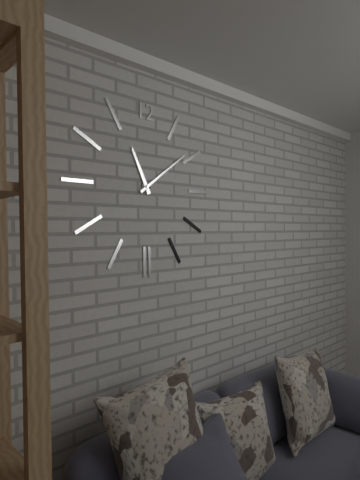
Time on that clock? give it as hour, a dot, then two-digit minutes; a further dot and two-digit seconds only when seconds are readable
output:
11.09
